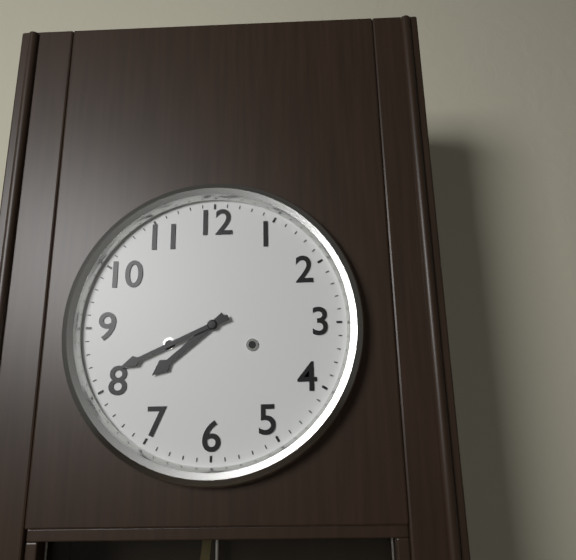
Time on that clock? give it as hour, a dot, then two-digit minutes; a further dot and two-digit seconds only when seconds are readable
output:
7.41
